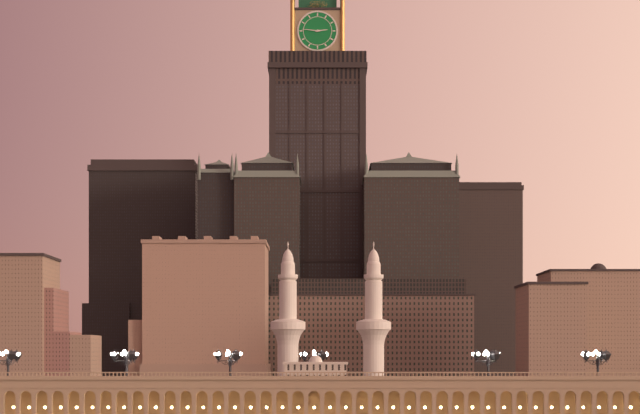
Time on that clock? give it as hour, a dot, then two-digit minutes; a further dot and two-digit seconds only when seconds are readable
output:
2.46
